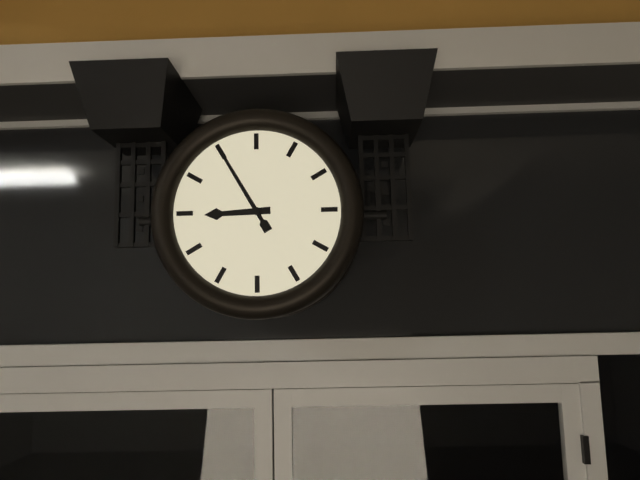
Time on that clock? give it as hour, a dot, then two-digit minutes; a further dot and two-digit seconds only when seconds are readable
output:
8.55
